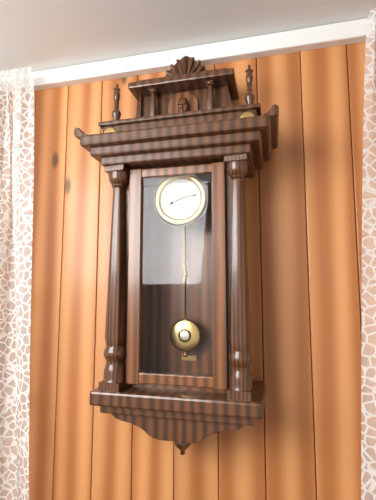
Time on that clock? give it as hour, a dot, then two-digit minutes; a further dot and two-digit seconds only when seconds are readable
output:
8.13
